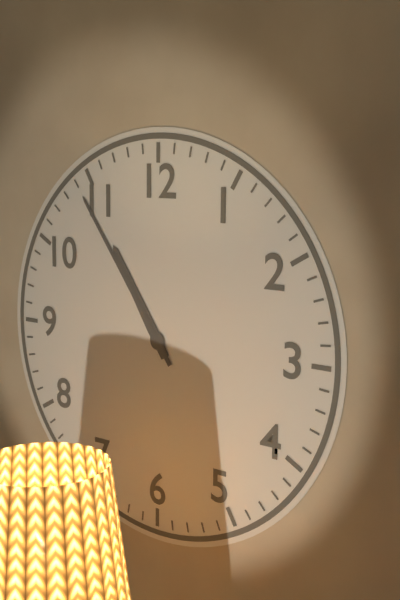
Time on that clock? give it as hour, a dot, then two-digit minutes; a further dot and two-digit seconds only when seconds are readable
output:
10.54
